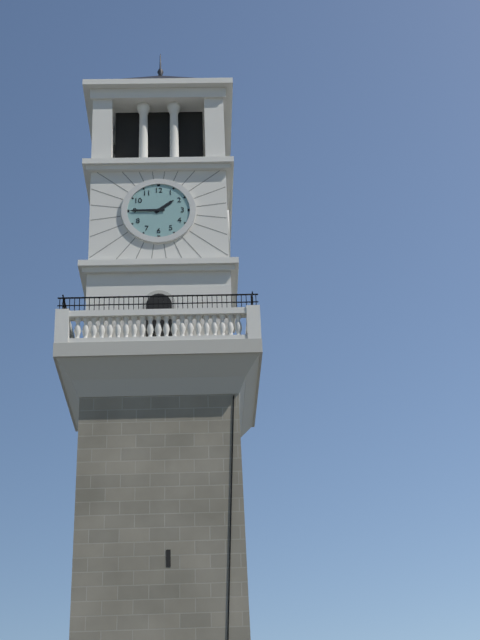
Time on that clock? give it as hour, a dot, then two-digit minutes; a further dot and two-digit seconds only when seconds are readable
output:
1.45
